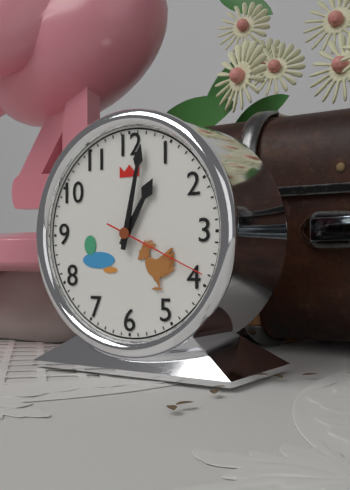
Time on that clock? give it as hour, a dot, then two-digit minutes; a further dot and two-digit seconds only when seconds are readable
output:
1.02.19
